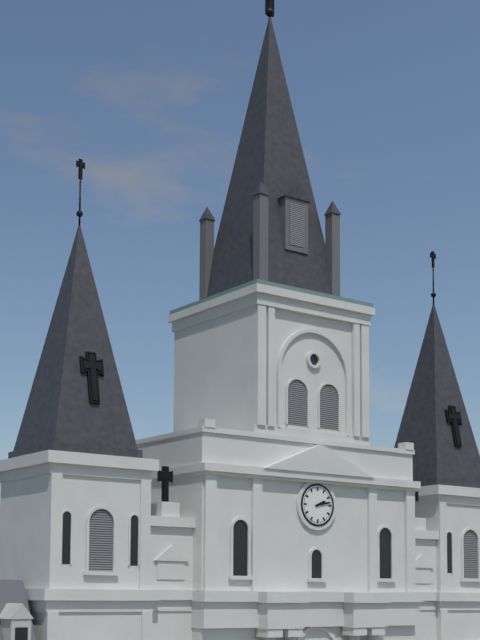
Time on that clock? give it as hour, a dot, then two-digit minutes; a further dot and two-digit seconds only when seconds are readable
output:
2.13
